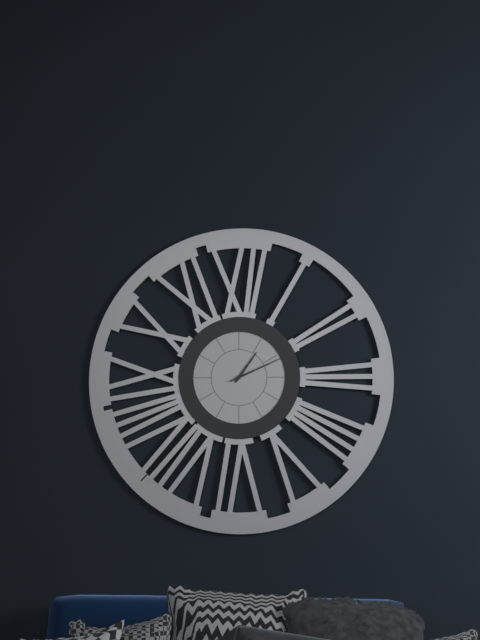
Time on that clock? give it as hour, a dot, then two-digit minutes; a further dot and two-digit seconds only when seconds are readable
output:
1.11
